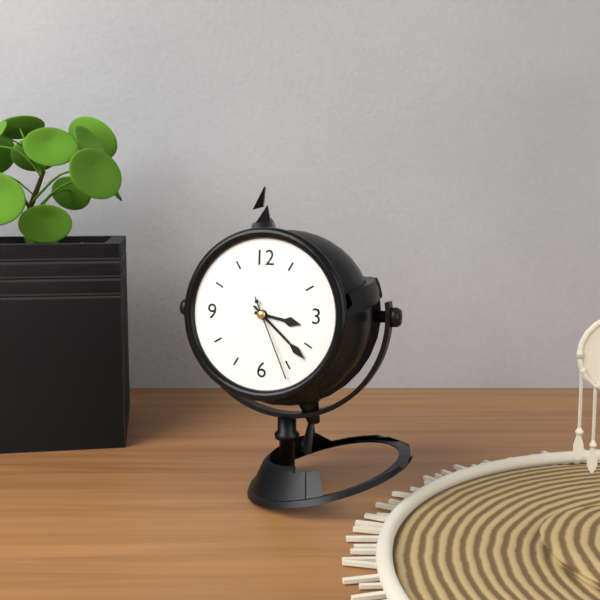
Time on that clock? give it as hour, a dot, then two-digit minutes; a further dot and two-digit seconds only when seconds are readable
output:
3.22.26
